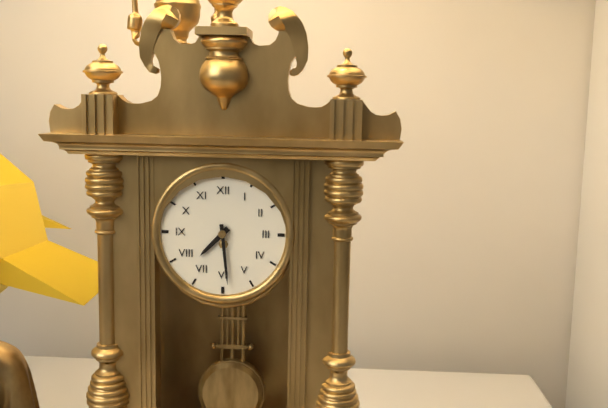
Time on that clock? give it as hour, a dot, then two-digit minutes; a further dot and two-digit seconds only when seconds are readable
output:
7.29
